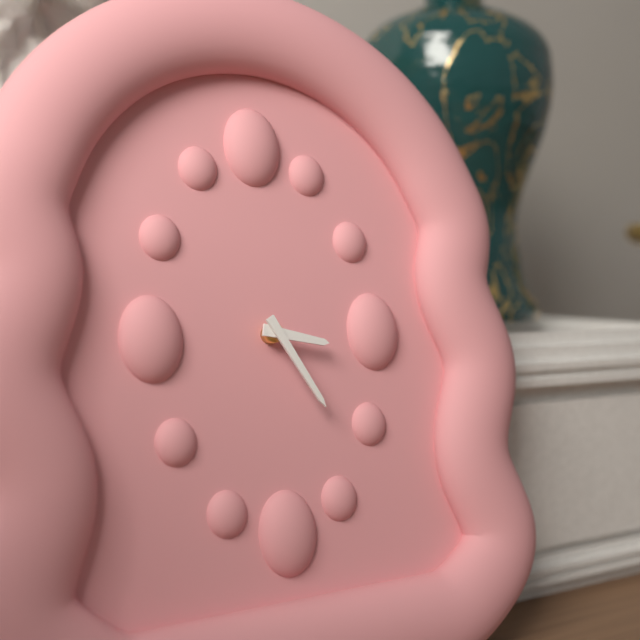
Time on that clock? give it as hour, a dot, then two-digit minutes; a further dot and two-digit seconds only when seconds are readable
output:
3.25
